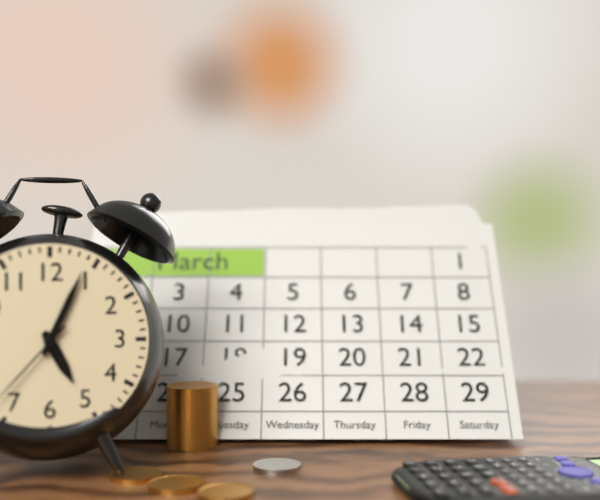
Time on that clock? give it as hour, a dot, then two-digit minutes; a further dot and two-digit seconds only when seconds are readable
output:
5.04
